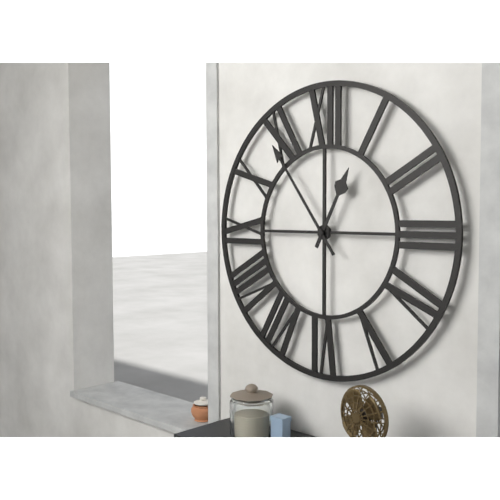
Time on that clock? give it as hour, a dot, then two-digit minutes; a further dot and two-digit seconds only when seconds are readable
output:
12.54
